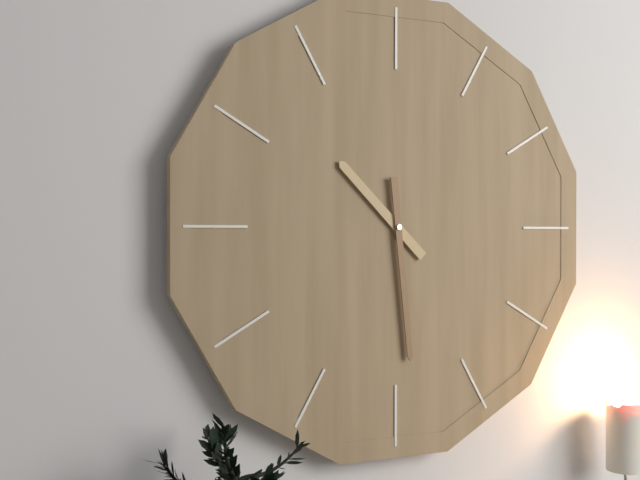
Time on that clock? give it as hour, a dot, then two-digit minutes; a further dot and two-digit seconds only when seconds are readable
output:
10.29
